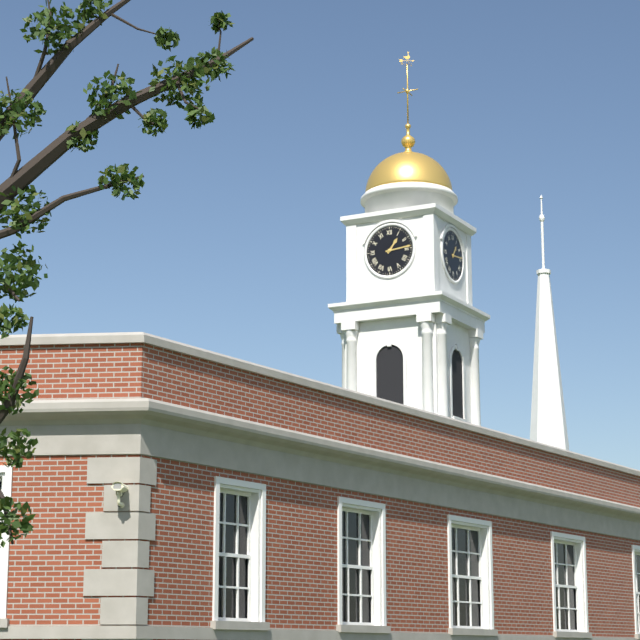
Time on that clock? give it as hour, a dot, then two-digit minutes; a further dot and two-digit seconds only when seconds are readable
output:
1.14
